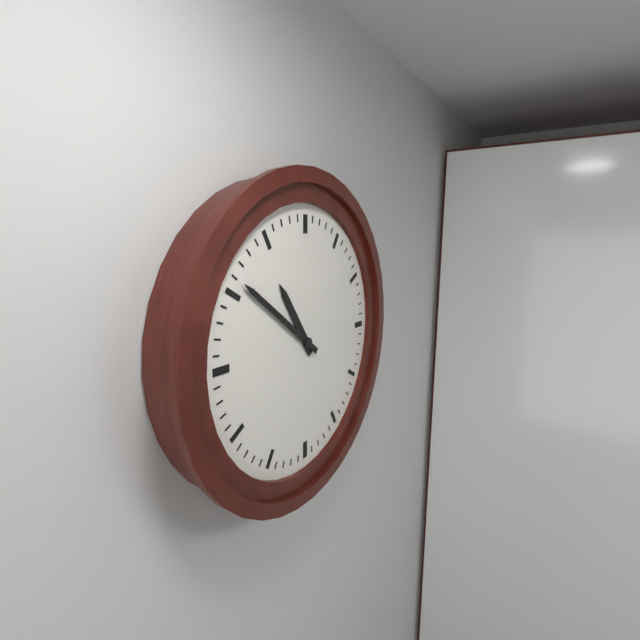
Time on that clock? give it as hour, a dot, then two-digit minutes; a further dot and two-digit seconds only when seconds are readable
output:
10.51
